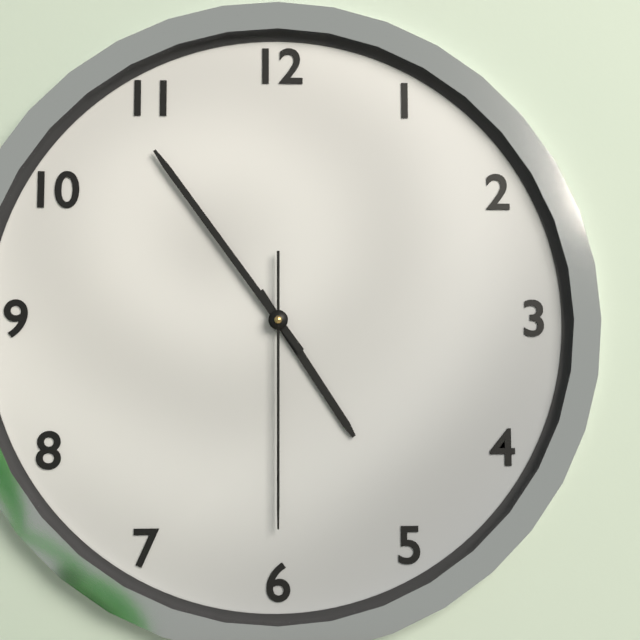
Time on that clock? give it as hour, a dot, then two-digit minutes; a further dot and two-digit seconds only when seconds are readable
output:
4.54.30
